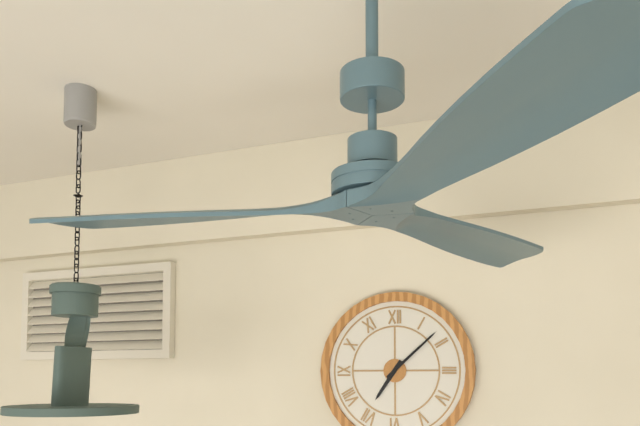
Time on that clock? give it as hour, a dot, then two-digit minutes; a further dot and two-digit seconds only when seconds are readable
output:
7.08
